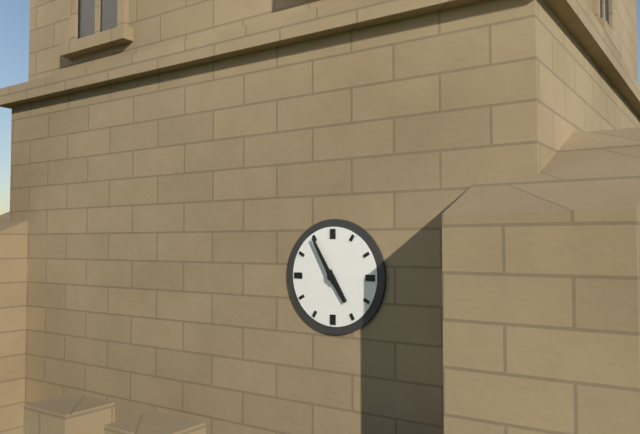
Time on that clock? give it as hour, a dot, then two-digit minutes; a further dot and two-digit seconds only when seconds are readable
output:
4.55
